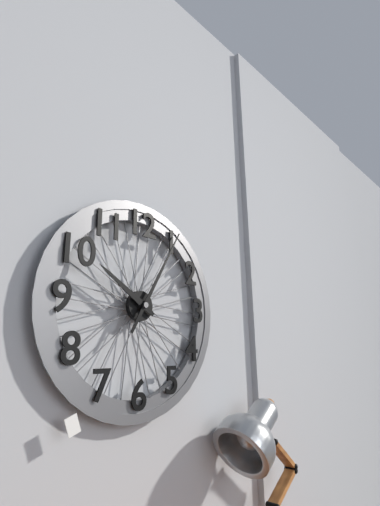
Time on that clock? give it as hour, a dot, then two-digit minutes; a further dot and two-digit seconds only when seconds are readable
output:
10.05
